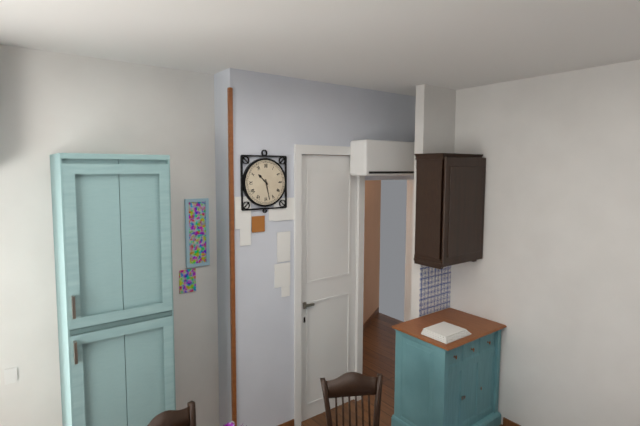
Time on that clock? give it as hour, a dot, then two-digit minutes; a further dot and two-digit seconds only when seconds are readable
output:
10.28
